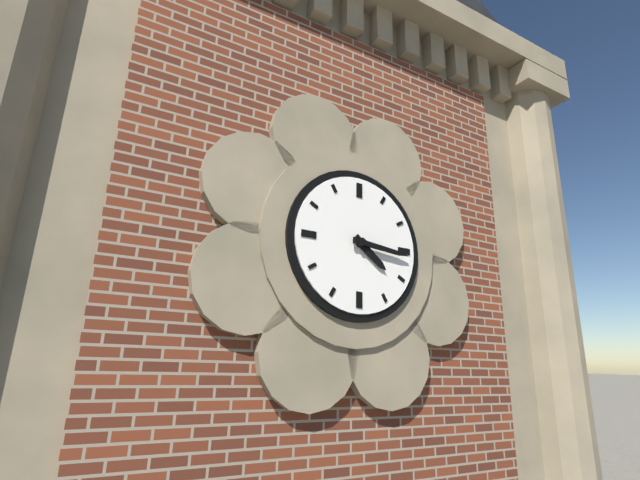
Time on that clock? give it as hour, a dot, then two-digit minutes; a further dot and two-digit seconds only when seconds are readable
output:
4.16
